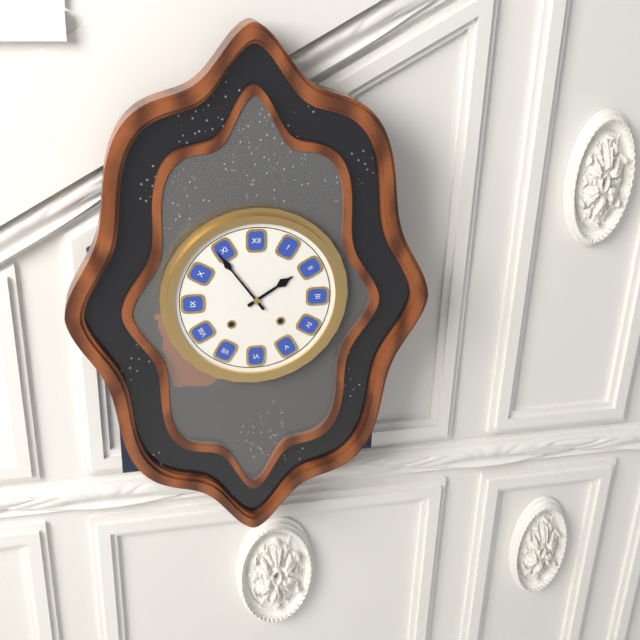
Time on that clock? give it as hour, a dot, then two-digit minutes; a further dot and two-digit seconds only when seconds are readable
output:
1.54
